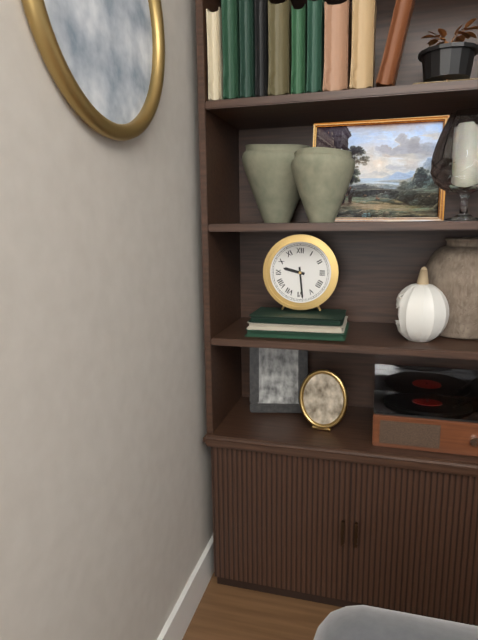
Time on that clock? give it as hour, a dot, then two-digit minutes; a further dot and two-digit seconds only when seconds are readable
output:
9.29
